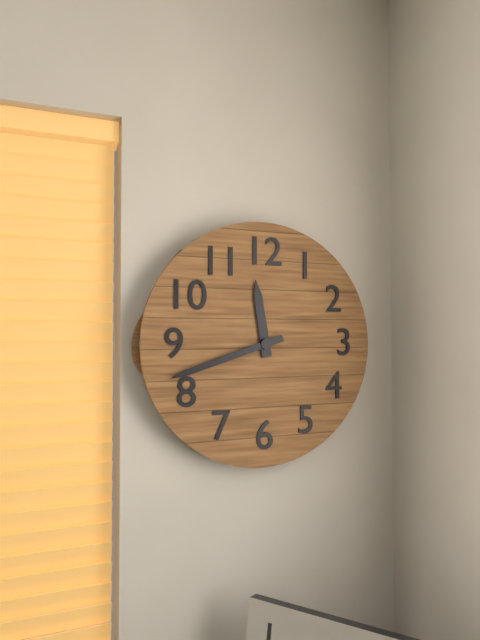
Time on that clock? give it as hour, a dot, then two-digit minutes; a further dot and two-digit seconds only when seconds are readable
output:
11.42
